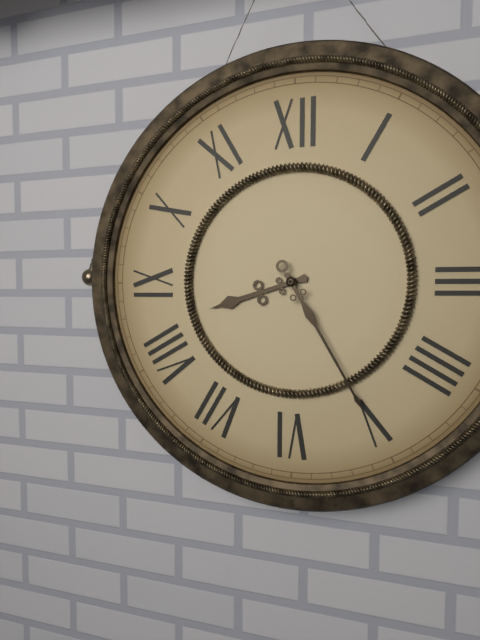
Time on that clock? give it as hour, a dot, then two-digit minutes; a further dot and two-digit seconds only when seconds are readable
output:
8.25
